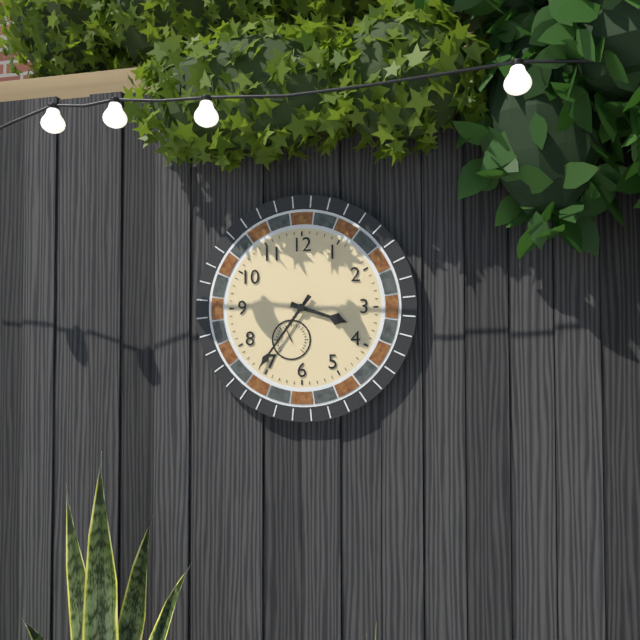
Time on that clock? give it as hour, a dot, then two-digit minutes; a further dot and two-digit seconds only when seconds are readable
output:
3.36
